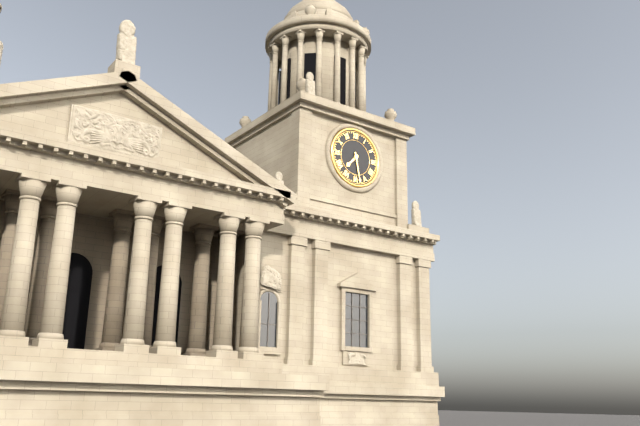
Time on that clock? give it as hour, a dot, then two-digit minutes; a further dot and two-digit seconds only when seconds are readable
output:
7.28
